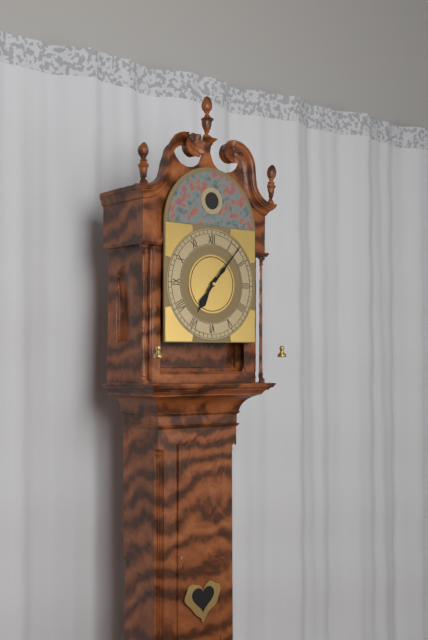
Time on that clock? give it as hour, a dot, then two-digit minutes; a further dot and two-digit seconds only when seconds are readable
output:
7.07
